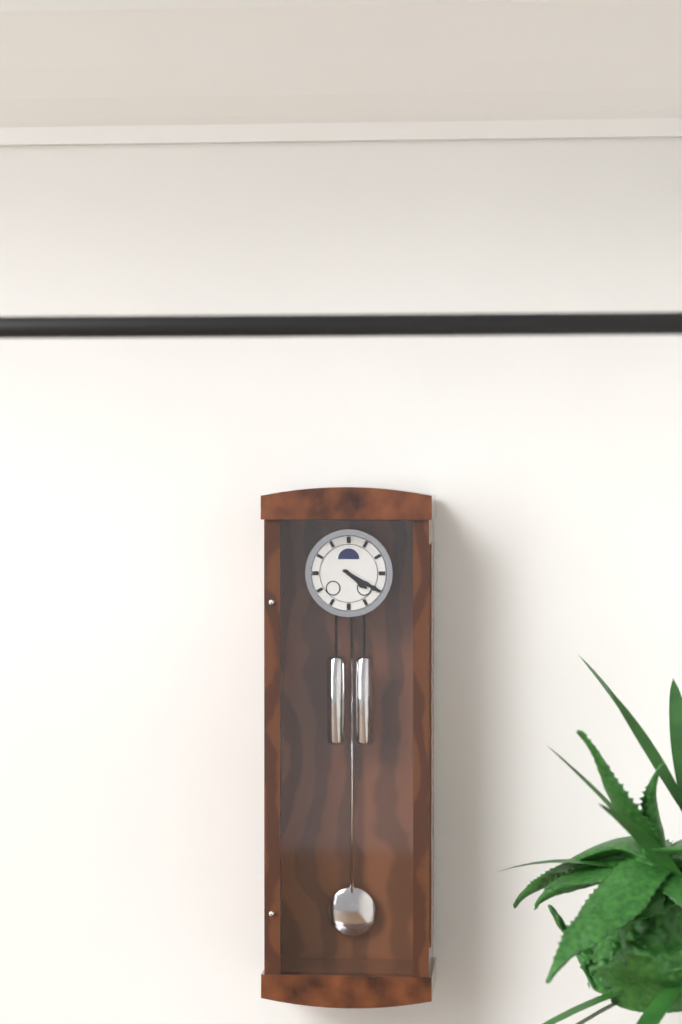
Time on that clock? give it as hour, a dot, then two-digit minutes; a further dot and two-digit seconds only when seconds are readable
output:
4.20
